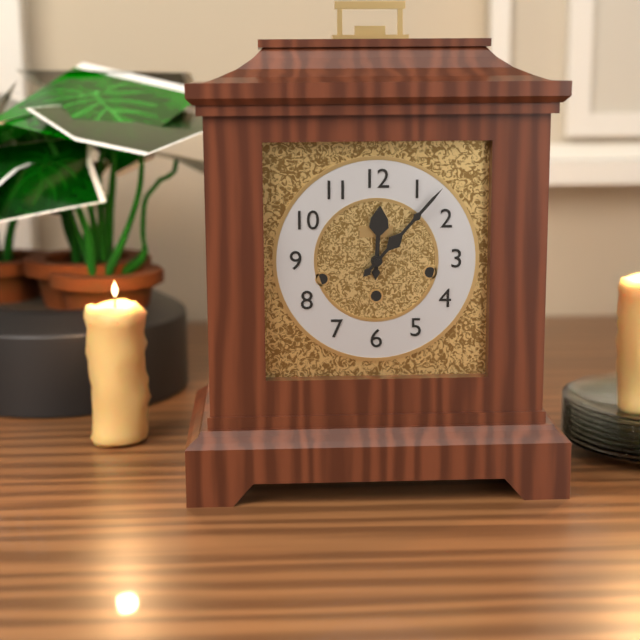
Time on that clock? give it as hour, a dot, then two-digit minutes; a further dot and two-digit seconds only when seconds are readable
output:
12.07
